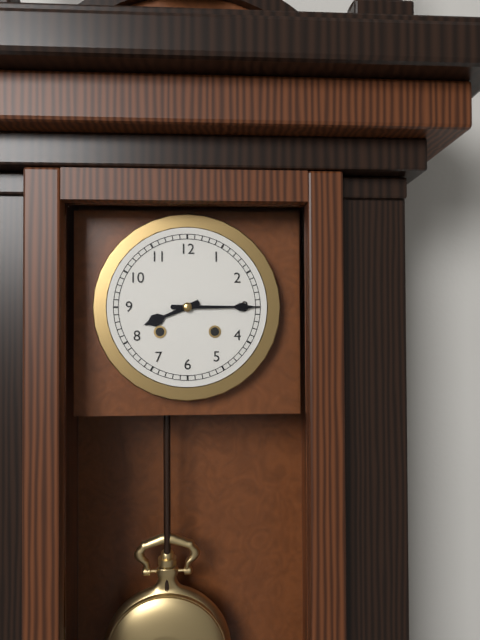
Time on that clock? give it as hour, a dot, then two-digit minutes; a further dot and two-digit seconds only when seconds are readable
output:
8.15
